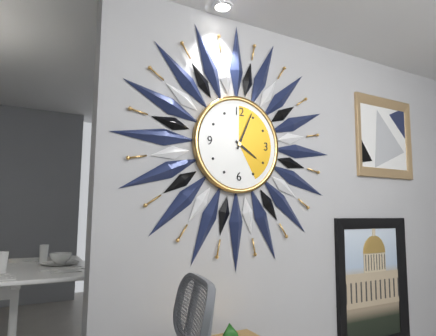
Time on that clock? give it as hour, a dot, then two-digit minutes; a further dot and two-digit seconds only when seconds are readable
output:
4.04
